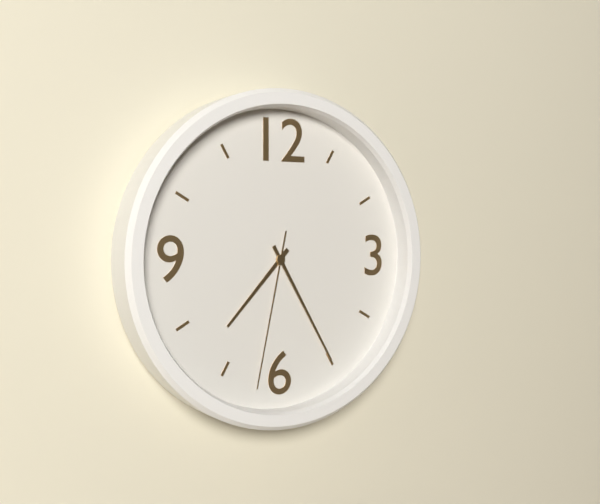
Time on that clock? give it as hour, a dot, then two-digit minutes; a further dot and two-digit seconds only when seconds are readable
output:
7.25.32
